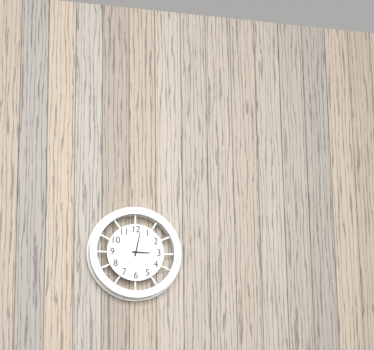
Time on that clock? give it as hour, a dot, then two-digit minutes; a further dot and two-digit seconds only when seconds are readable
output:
3.02
